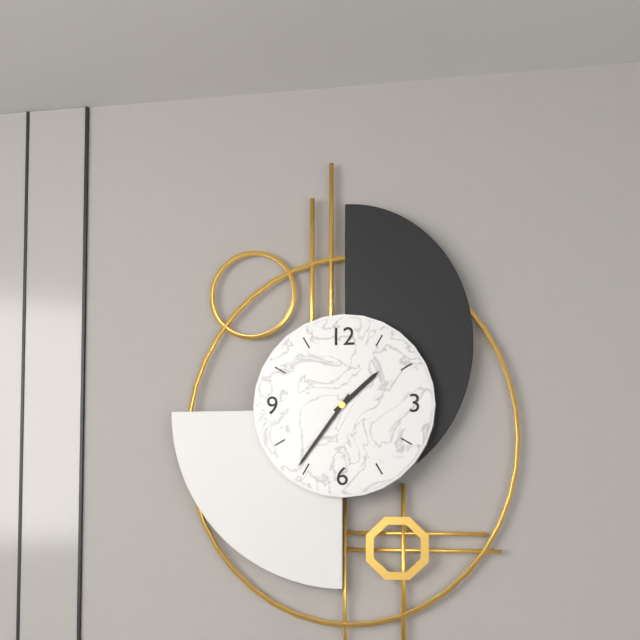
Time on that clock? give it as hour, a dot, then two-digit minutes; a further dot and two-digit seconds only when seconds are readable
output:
1.36
